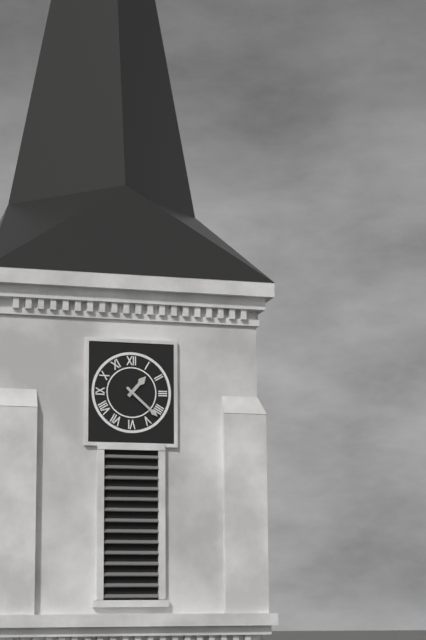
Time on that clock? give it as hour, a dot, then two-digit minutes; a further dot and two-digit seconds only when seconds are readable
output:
1.22
